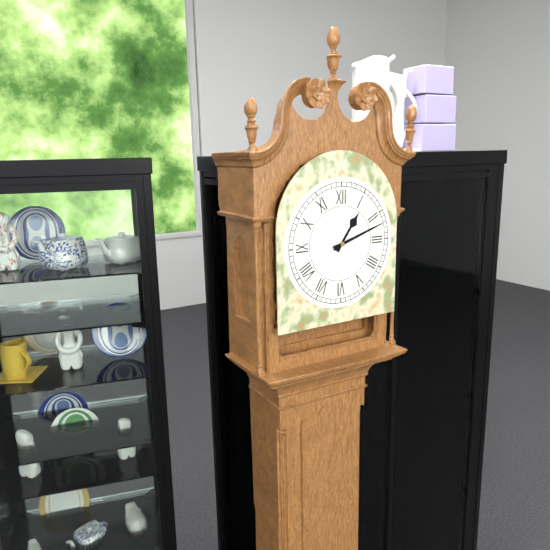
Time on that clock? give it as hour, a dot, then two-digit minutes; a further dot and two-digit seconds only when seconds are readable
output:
1.12
